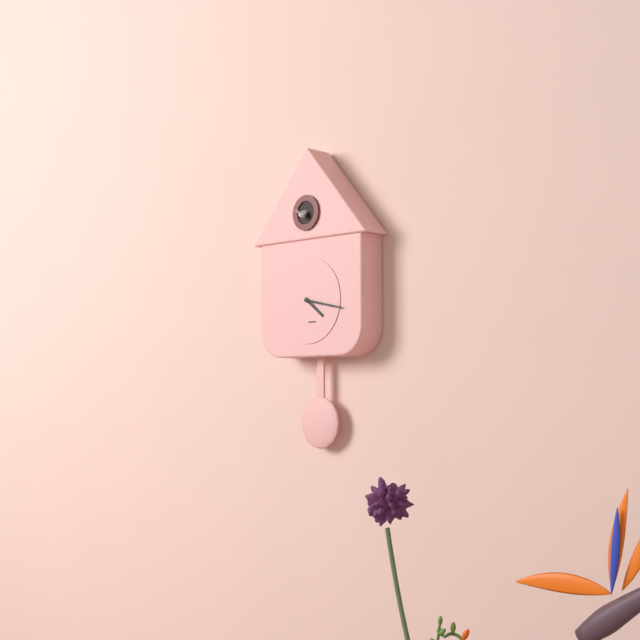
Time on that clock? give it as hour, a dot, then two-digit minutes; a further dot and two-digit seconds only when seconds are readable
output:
4.17
